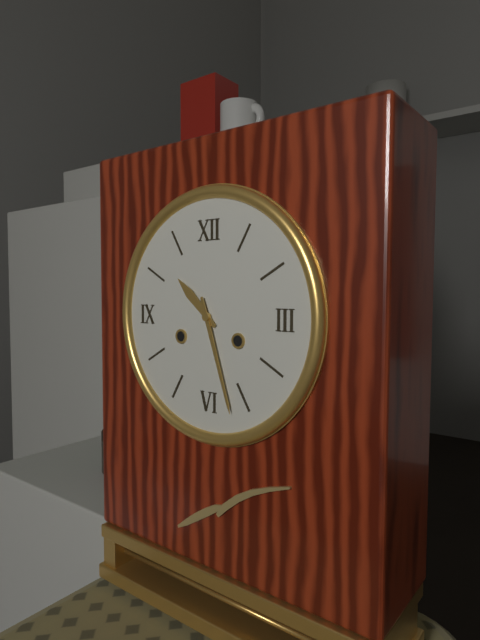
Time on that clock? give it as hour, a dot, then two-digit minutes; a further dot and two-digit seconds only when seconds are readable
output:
10.27
